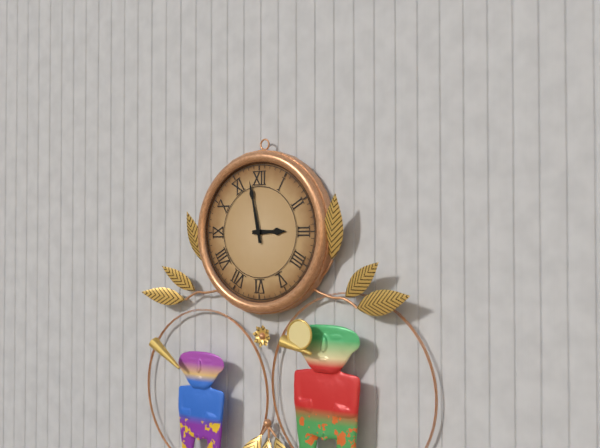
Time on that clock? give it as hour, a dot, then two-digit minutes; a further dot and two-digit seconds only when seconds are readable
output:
2.58
